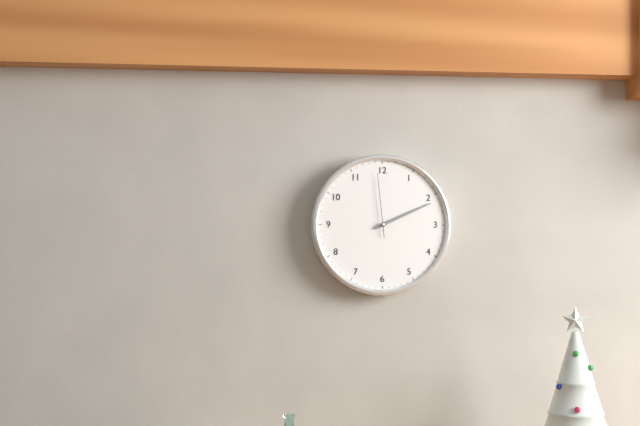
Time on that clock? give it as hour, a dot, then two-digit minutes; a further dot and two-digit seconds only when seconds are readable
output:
2.11.59
